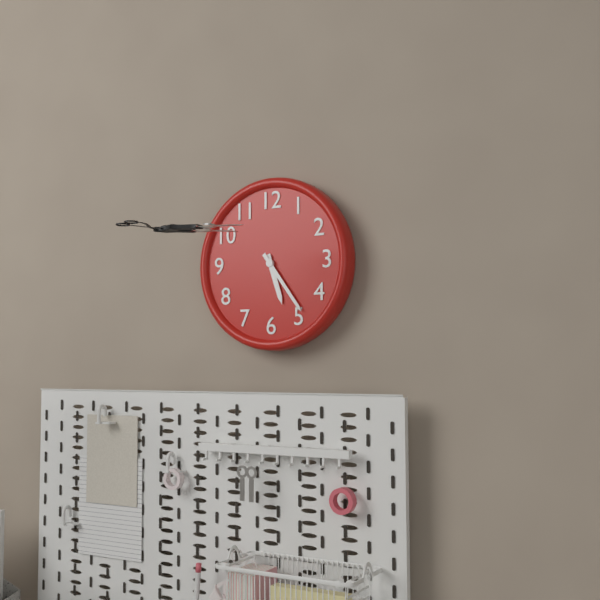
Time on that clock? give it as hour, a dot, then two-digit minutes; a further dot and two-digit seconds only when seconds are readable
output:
5.24
